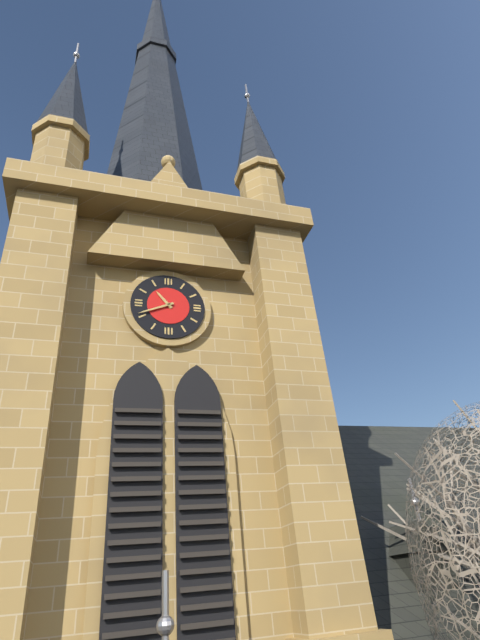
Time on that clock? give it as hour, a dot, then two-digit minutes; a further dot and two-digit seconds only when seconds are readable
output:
10.41
